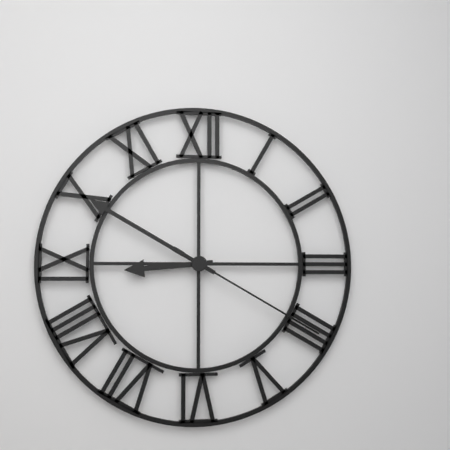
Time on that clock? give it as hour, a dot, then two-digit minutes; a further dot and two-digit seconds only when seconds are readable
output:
8.50.20
